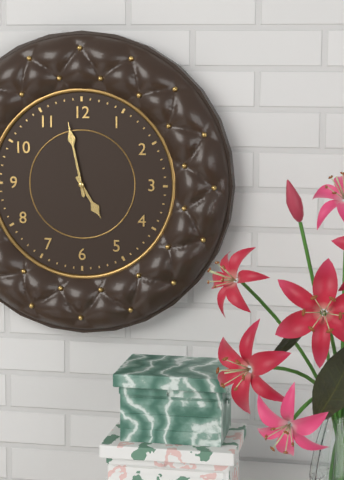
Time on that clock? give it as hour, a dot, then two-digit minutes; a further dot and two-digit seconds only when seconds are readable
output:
4.58
